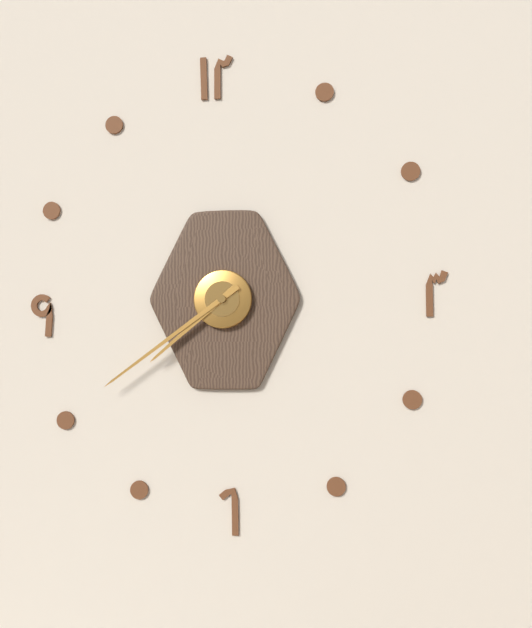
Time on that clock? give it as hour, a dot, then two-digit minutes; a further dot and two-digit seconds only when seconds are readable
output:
7.39
